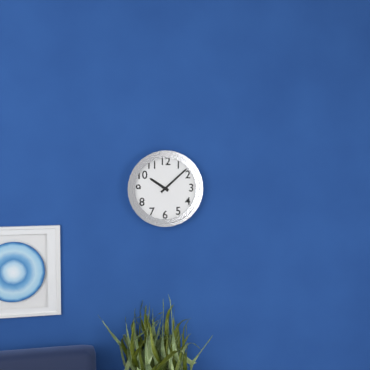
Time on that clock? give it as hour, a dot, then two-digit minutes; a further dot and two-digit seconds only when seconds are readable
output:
10.08
